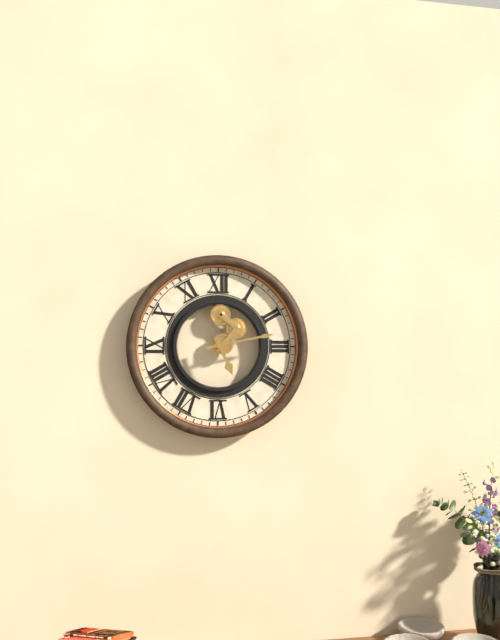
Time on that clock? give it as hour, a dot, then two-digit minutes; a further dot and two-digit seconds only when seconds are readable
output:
5.13
